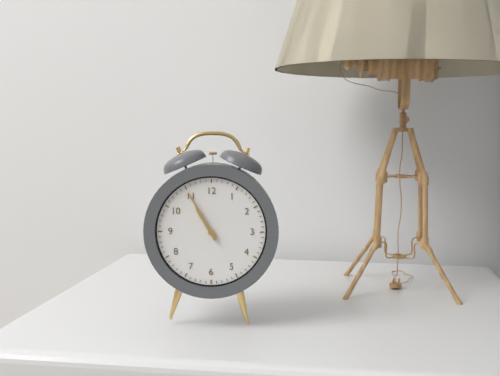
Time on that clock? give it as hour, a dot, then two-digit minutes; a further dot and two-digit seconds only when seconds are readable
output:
10.55
